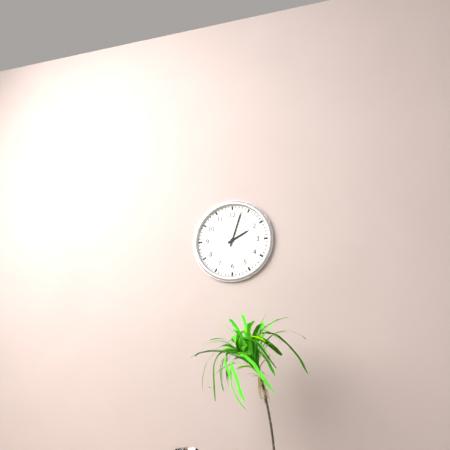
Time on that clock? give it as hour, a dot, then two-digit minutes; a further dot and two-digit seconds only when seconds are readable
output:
2.03
